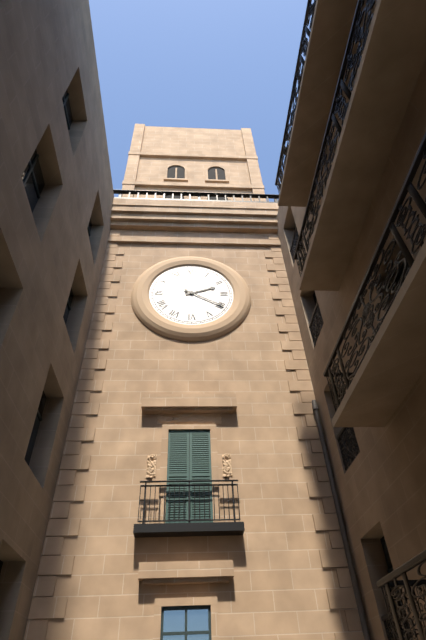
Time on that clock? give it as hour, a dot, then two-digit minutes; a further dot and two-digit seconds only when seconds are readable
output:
2.20
